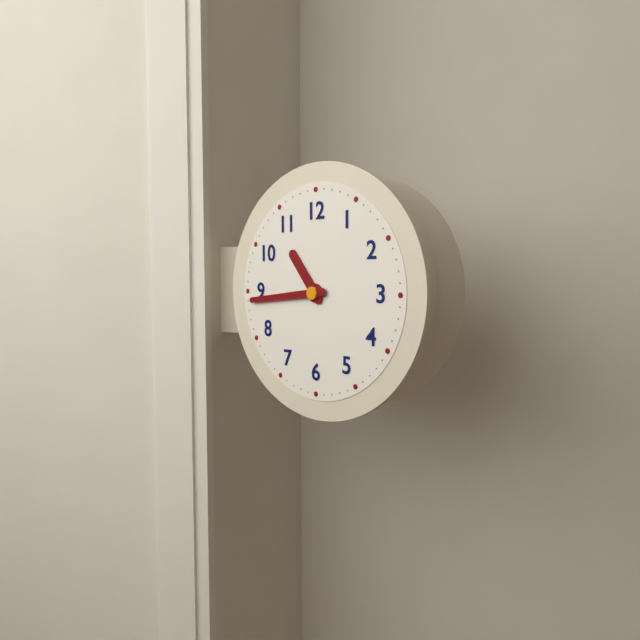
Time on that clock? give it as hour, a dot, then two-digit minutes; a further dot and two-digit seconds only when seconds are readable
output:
10.44
